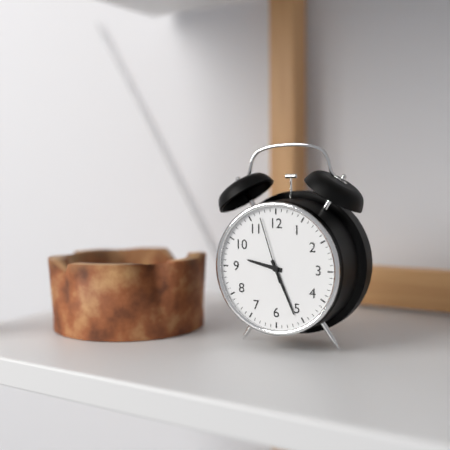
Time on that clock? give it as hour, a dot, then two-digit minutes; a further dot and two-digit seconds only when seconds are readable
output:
9.26.57
